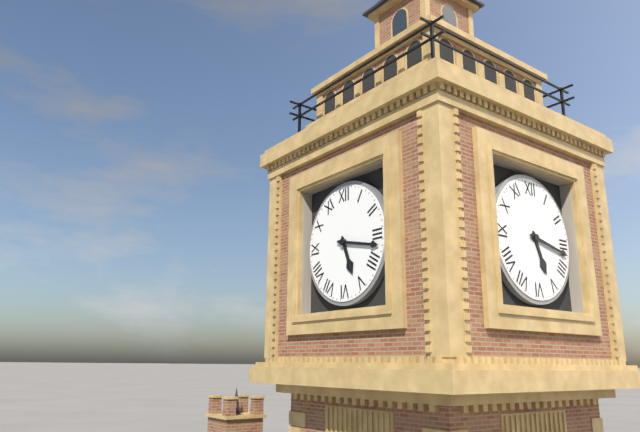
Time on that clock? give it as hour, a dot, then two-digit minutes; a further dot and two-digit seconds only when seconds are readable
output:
5.17
